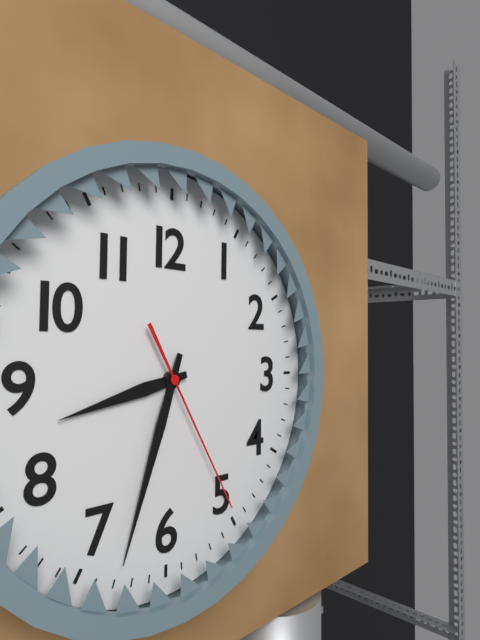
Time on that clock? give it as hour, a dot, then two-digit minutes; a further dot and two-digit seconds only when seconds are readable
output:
8.33.25
